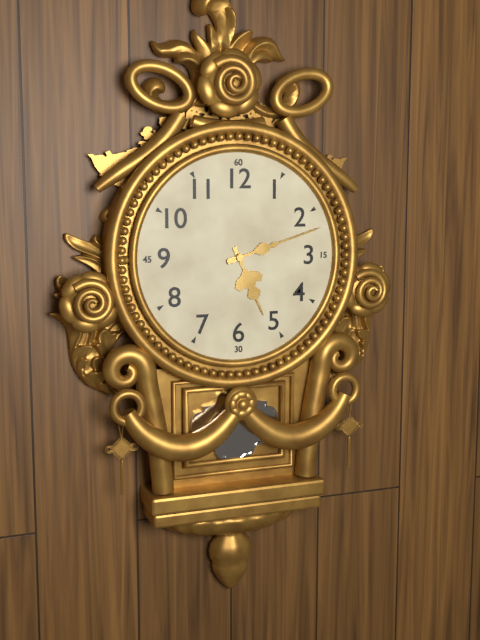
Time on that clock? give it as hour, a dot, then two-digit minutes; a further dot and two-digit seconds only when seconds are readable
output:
5.12
